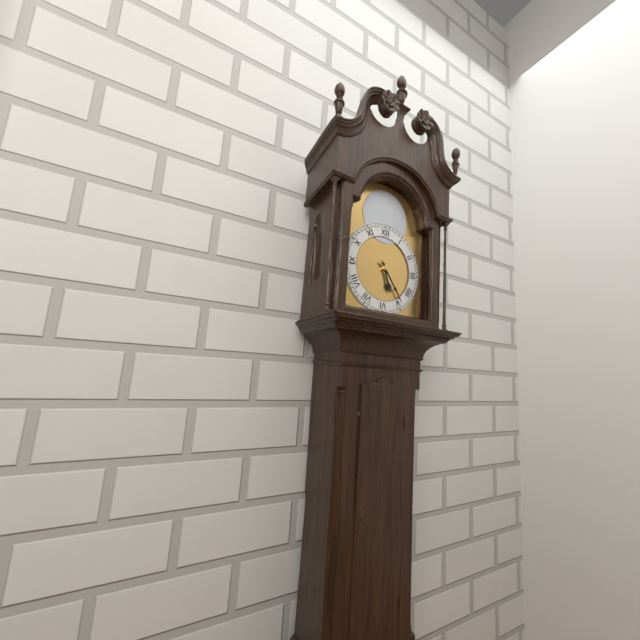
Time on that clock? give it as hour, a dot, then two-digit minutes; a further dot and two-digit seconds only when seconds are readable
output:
5.24
